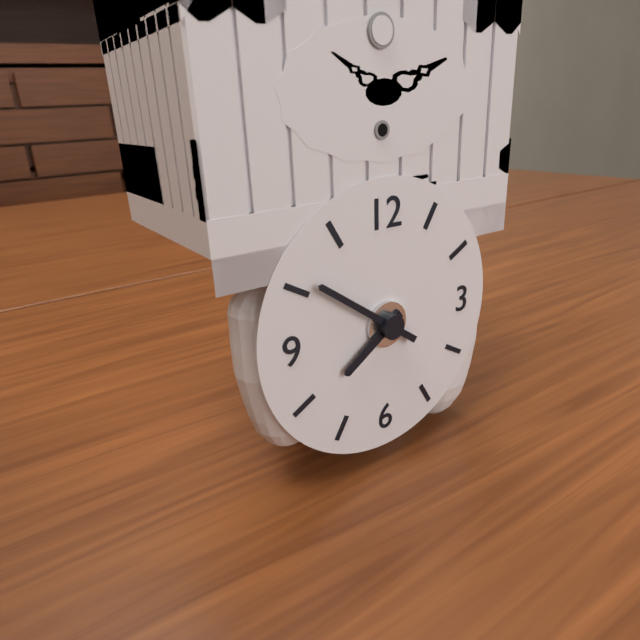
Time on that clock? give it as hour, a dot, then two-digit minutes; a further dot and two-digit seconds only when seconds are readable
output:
7.51
